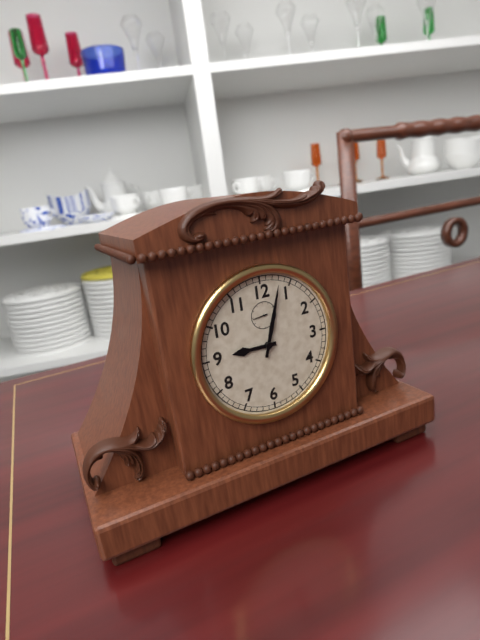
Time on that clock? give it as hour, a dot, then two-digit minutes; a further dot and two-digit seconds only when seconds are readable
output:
9.03
